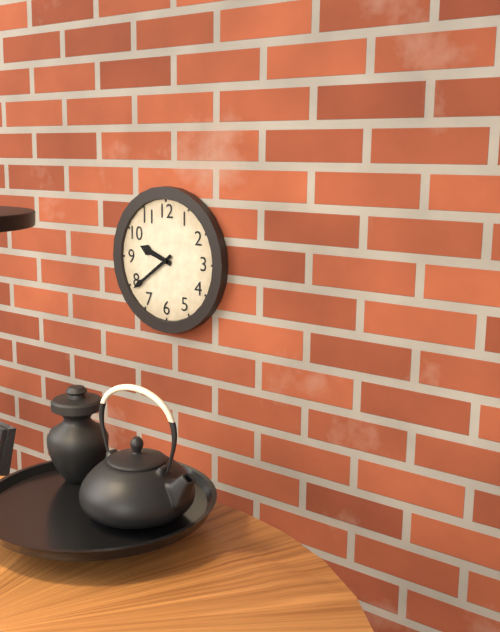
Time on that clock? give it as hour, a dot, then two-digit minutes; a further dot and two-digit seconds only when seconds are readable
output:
9.39
